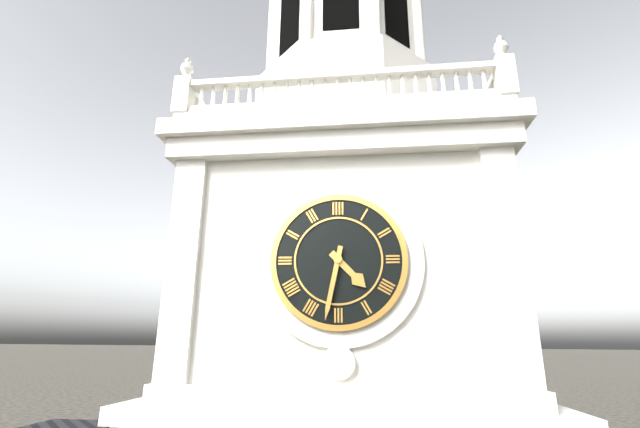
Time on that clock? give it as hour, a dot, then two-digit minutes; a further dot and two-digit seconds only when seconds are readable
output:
4.32
